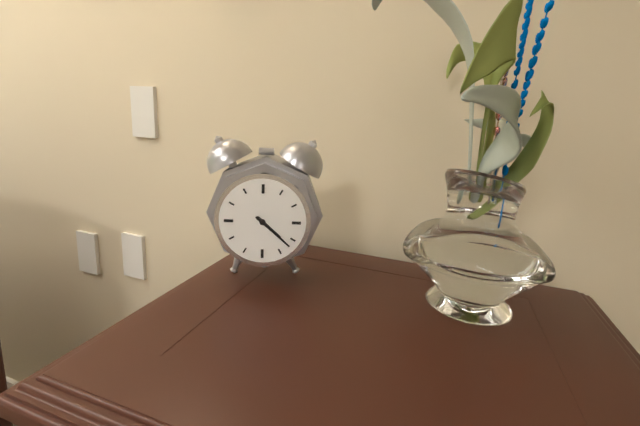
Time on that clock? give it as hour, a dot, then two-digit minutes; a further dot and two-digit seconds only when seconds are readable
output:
4.22
